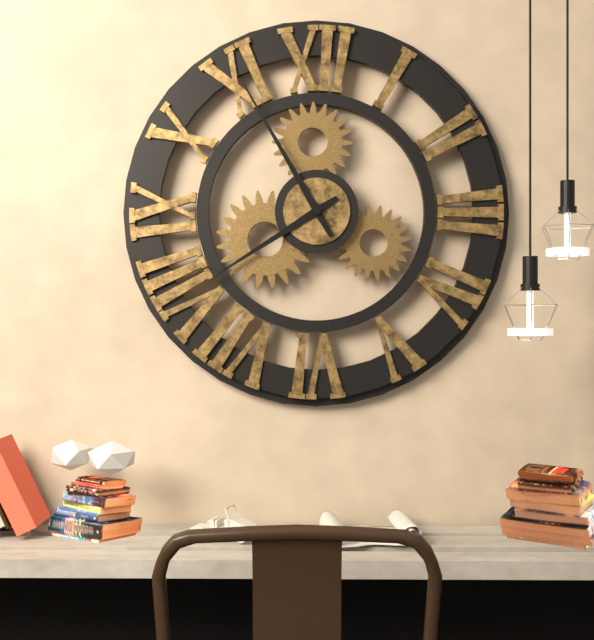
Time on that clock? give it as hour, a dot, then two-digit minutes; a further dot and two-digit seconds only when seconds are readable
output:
7.55
